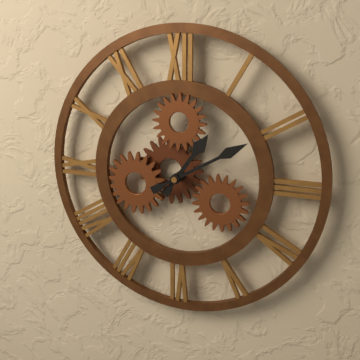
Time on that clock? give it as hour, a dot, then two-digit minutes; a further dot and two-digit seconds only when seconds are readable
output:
1.10
